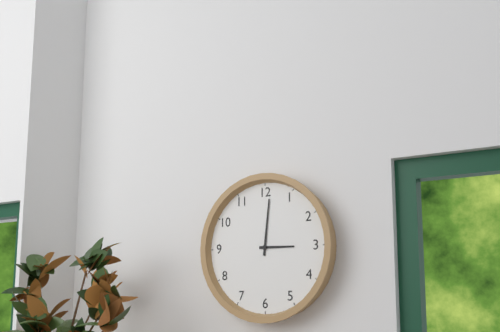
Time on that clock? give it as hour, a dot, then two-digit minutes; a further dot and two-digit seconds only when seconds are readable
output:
3.01
